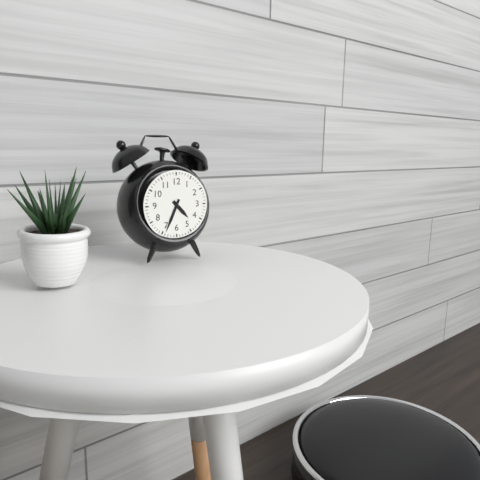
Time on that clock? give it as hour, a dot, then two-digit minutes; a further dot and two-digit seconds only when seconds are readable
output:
4.34
